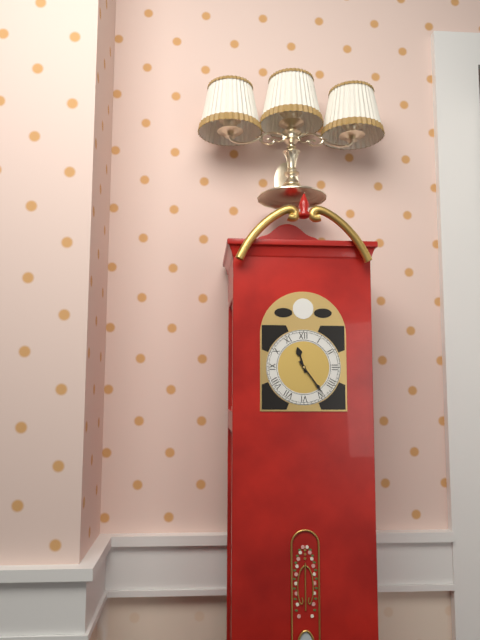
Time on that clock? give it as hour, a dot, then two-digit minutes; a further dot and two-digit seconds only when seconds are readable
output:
11.24
